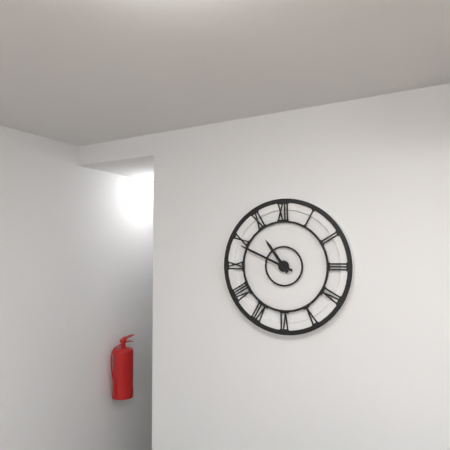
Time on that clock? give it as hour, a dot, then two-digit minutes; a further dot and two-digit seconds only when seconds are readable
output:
10.49
